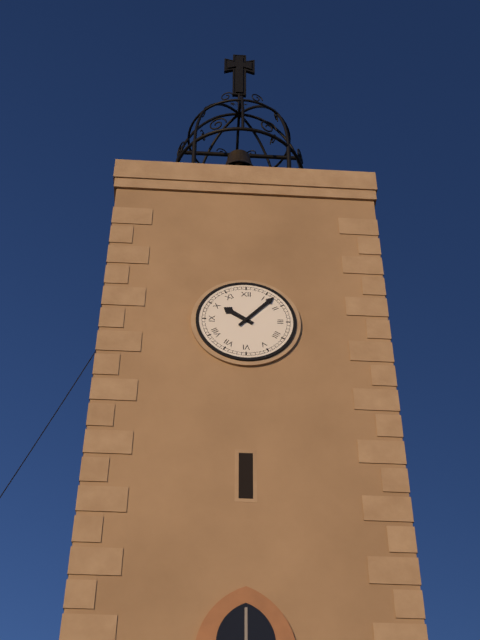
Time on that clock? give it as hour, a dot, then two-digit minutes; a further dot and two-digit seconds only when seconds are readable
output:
10.07
